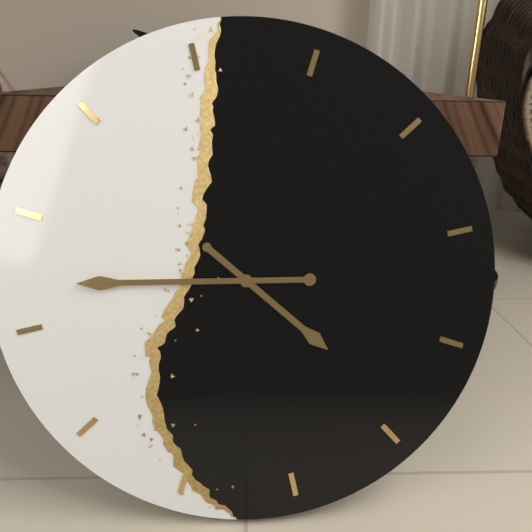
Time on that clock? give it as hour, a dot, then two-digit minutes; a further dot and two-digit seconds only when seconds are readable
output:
4.47
